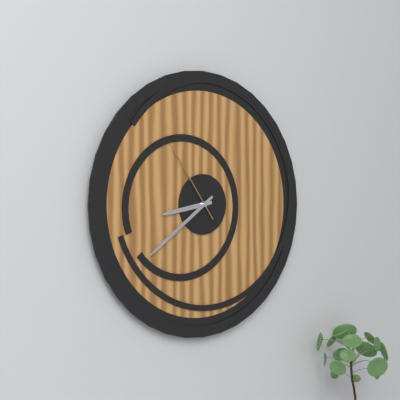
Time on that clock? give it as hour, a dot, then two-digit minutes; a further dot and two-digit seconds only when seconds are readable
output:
8.39.54
